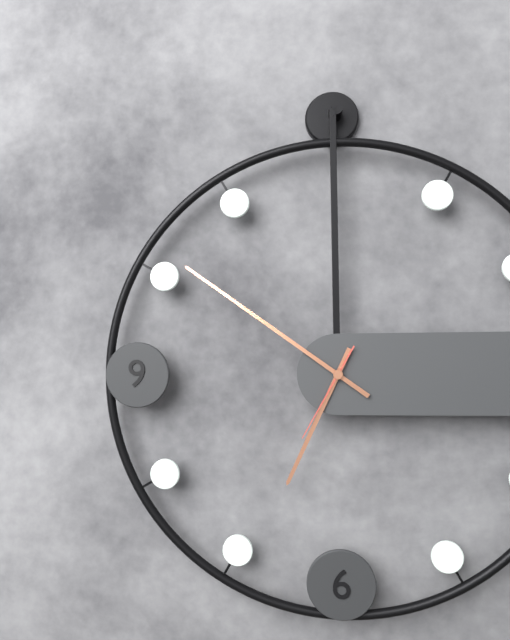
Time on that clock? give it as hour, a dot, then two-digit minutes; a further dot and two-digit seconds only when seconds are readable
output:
6.51.35
